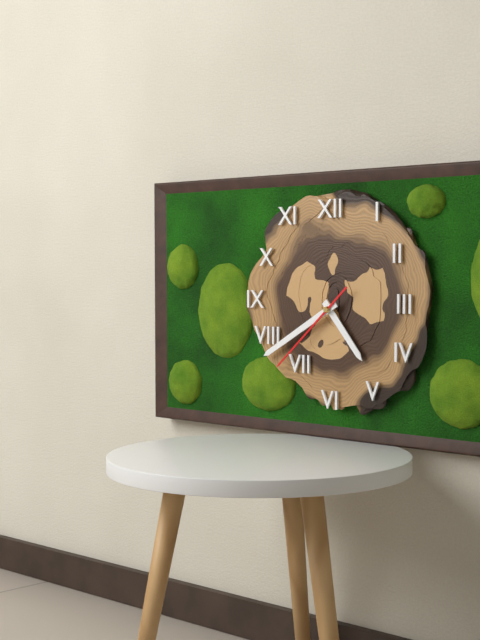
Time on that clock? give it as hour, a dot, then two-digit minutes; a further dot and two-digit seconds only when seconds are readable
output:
4.40.38
